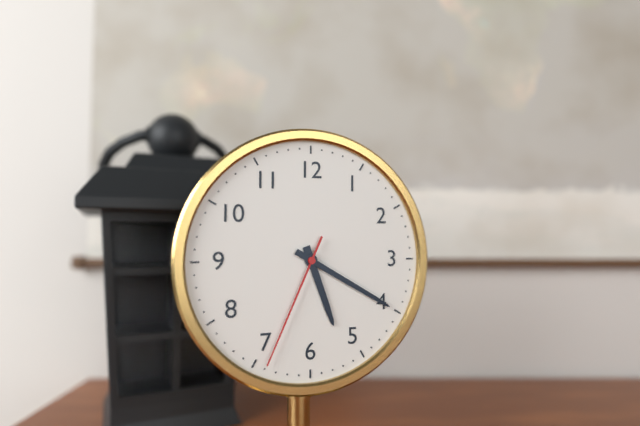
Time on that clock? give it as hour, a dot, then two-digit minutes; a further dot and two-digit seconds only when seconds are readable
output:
5.20.34
